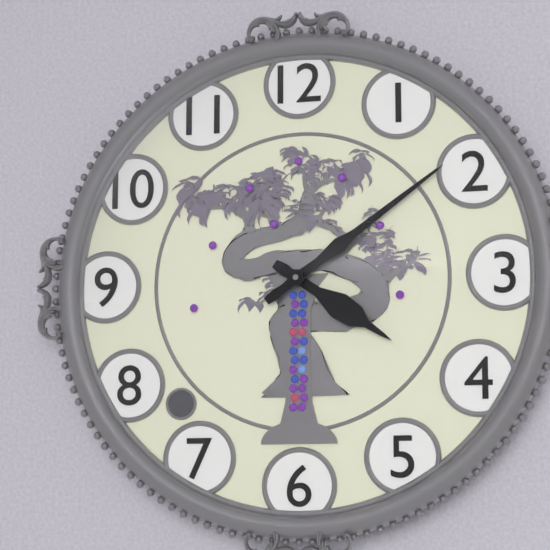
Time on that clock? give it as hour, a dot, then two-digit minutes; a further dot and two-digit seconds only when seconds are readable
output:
4.09
